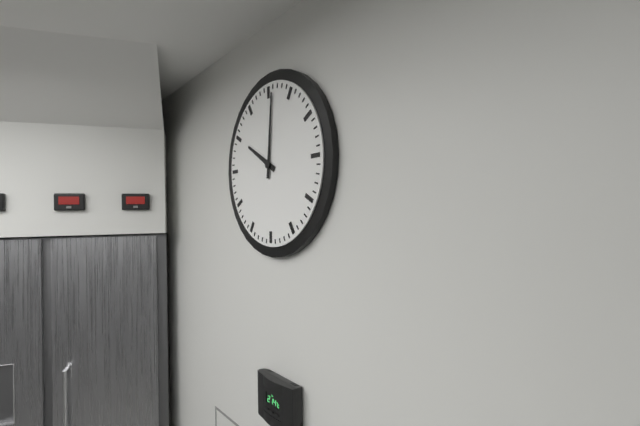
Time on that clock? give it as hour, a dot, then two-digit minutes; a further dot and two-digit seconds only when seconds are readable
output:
10.01
